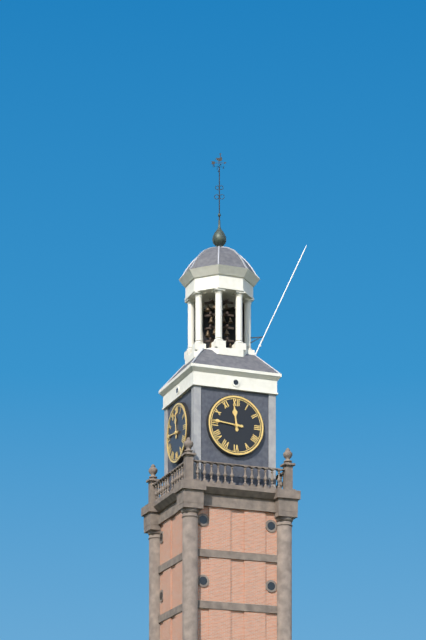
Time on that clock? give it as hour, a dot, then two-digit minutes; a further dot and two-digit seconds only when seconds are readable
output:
11.46
